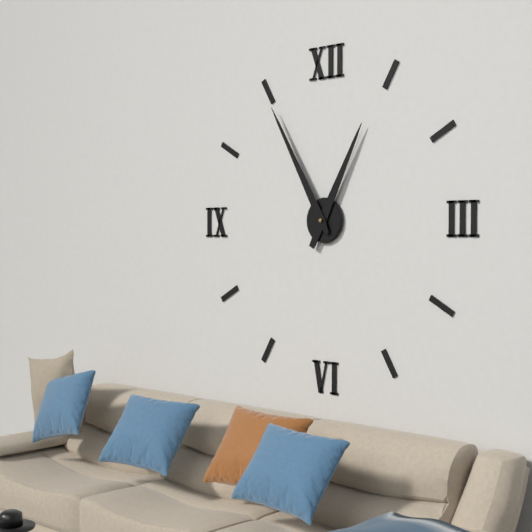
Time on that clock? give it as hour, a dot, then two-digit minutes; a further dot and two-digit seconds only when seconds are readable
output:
12.55
